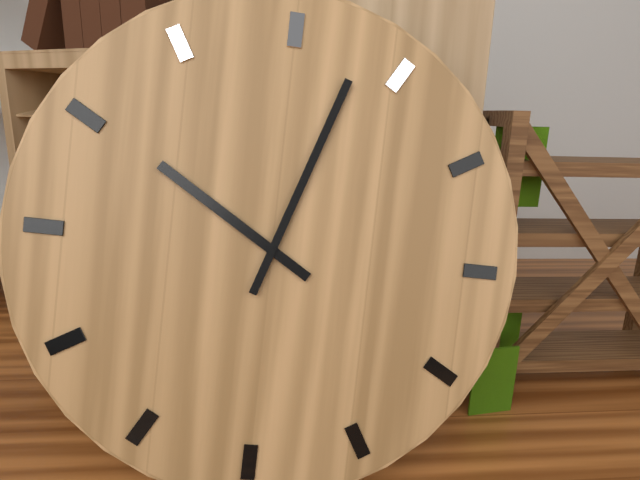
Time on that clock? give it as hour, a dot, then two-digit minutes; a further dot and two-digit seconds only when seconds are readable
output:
10.03
